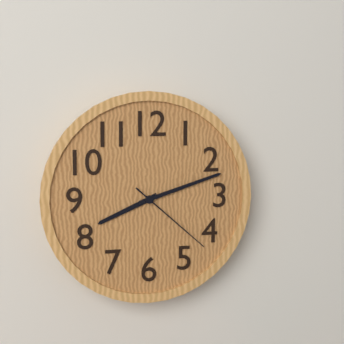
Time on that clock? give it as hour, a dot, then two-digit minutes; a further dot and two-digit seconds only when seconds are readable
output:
8.12.22
